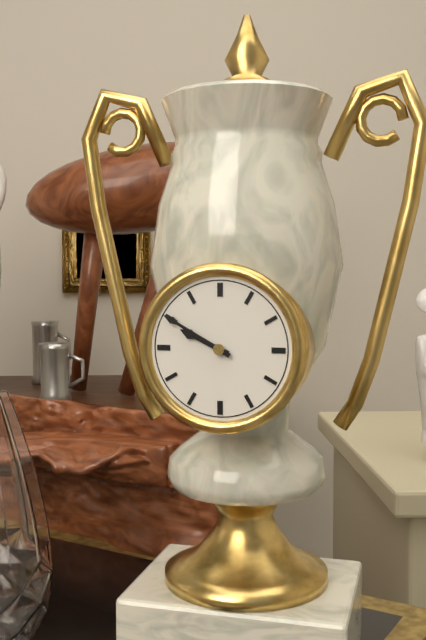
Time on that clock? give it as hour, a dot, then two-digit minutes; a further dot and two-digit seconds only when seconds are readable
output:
9.50
